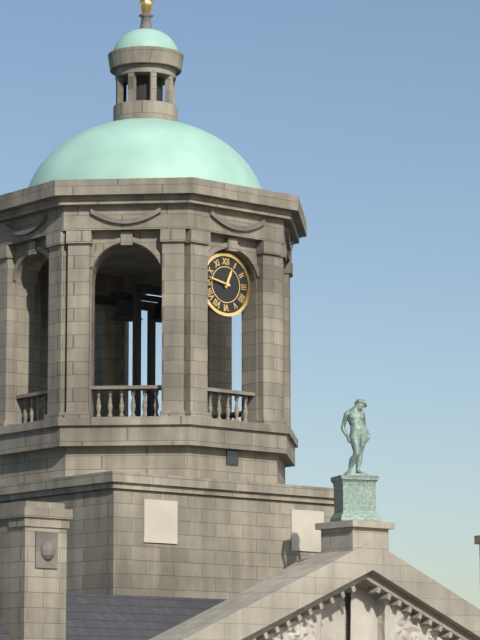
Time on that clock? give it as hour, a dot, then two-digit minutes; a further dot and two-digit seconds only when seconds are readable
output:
12.47
